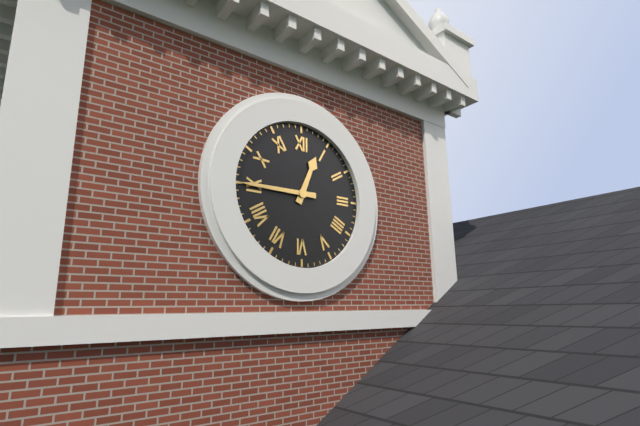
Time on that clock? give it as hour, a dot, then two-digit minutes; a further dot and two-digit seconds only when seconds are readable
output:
12.45
